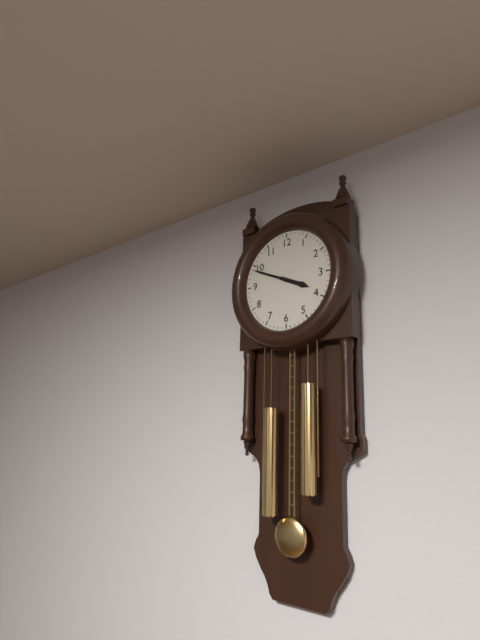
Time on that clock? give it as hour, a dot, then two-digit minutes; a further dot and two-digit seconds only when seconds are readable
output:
3.49
